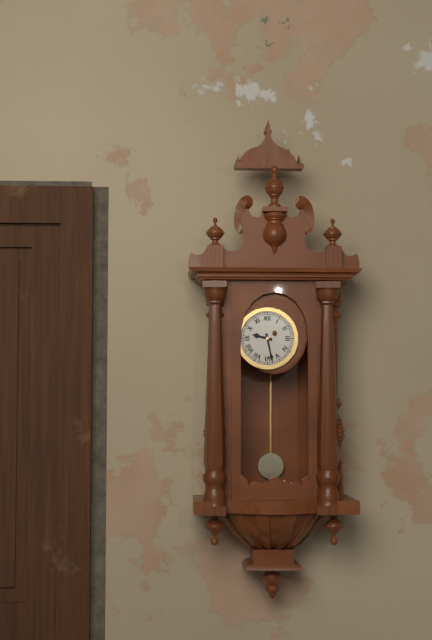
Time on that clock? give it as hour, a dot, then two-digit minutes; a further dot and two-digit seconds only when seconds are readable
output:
9.28
